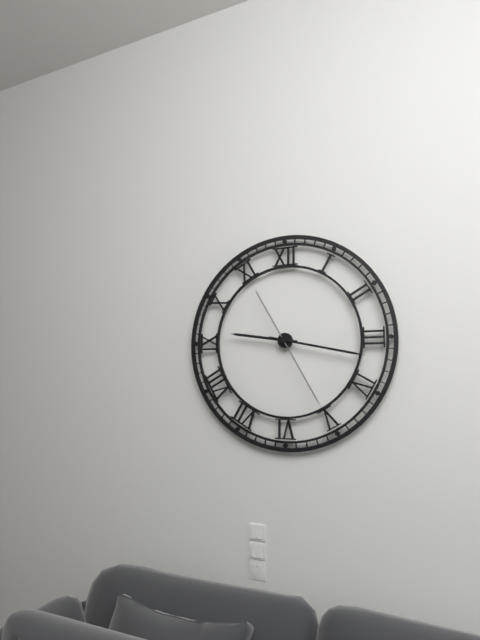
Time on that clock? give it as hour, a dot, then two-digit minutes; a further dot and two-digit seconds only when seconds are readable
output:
9.17.25
